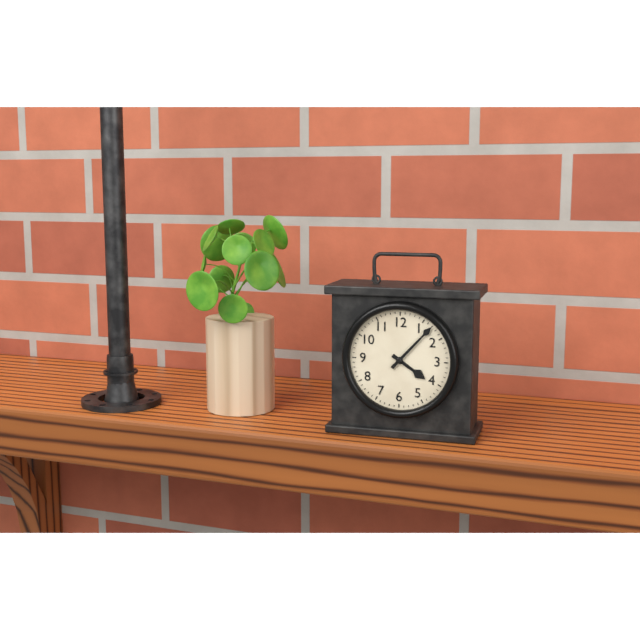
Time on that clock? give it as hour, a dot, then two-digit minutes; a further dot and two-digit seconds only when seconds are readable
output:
4.07
